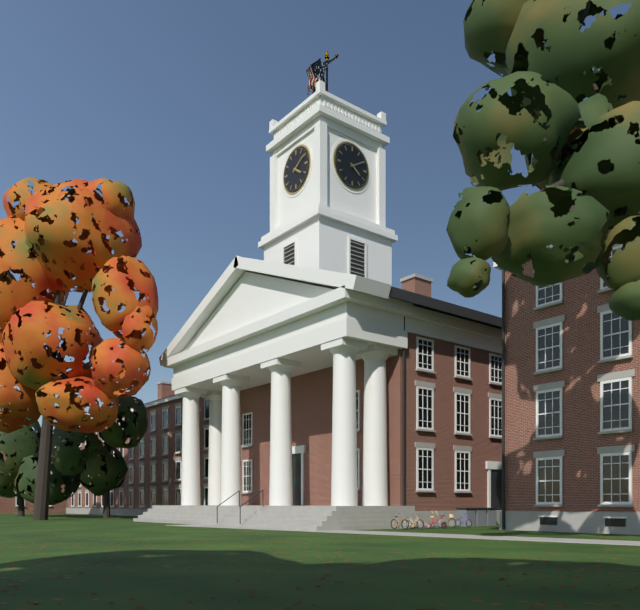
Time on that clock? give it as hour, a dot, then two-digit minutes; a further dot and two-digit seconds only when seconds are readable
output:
4.10
